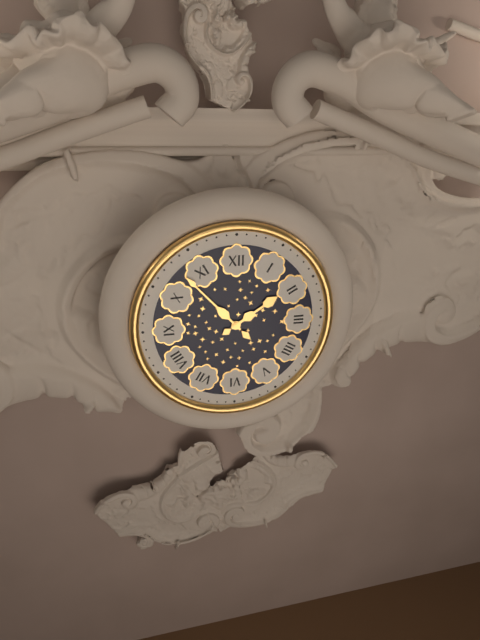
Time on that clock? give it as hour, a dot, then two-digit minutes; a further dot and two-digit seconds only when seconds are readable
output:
1.53
